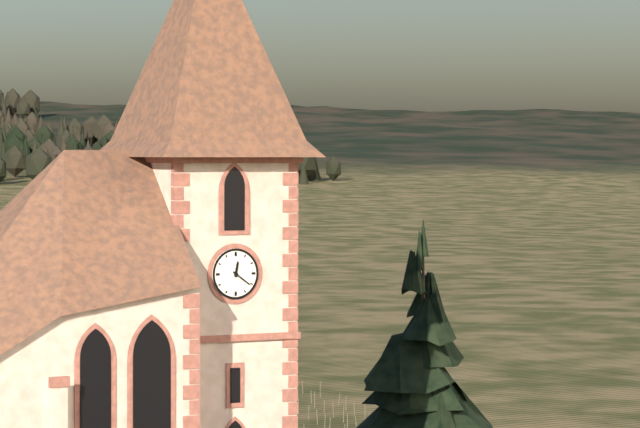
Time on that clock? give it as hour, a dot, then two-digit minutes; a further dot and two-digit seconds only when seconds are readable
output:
12.21
